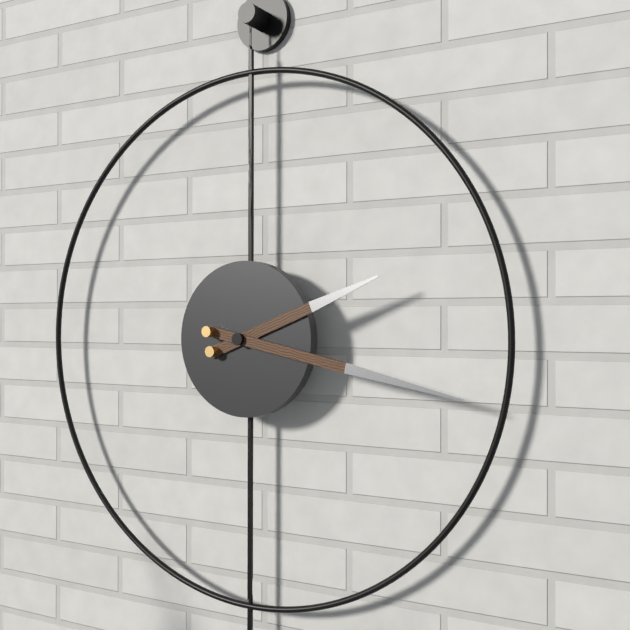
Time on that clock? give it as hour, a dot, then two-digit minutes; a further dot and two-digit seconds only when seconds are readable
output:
2.17
